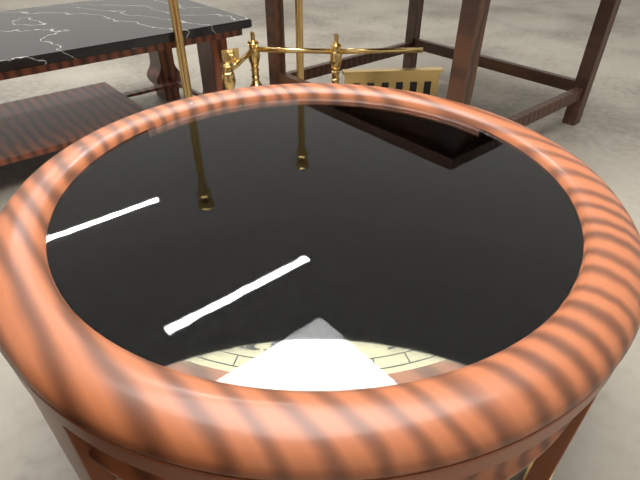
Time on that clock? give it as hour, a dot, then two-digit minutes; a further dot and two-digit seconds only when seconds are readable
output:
2.21.53
